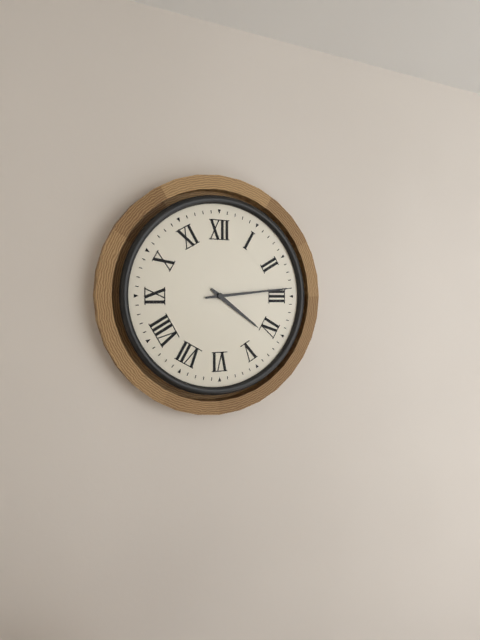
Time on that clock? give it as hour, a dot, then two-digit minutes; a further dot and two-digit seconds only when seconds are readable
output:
4.14
